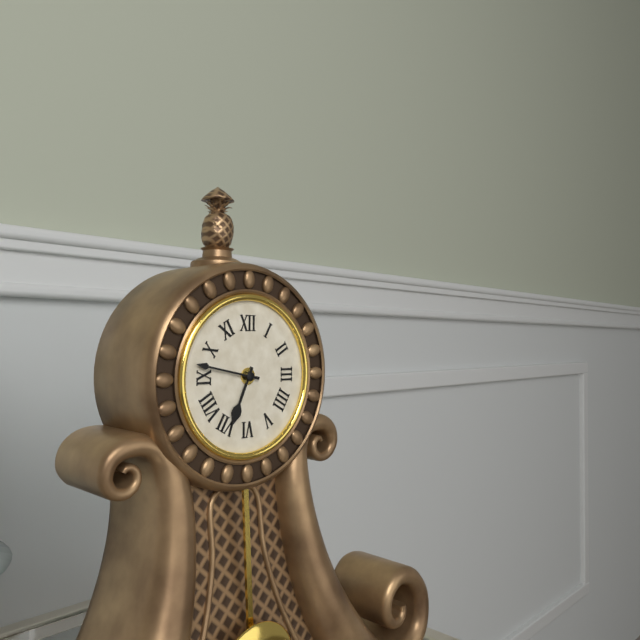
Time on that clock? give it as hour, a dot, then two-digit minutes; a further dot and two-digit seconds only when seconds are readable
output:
6.47
